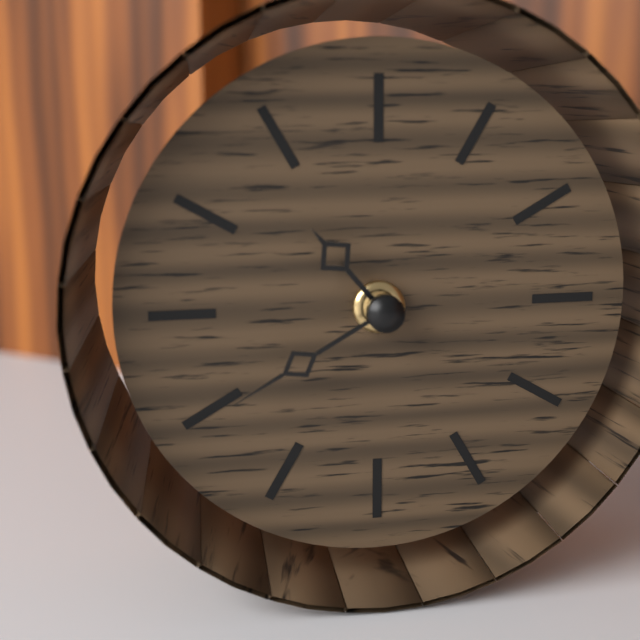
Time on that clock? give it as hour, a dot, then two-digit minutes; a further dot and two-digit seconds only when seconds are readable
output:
10.40
